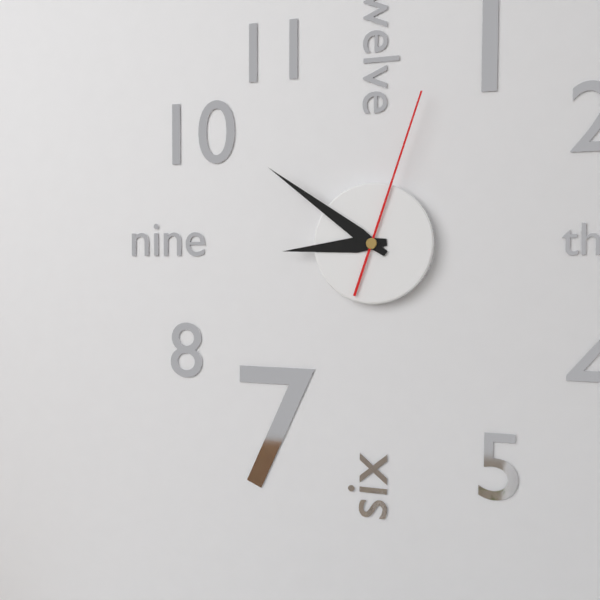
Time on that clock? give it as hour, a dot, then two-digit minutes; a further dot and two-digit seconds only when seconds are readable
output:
8.51.03
